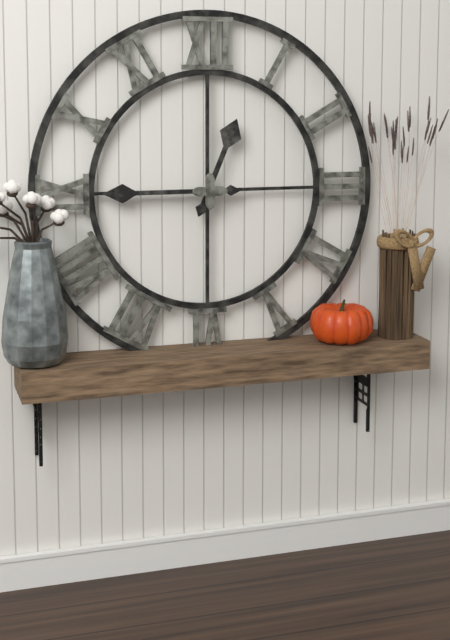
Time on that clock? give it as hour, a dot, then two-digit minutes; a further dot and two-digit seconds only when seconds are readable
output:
12.45
